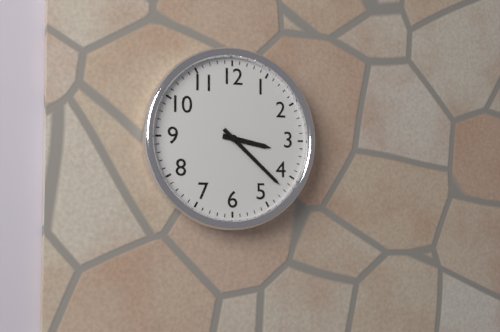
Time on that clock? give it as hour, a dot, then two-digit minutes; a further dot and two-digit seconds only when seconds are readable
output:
3.22
